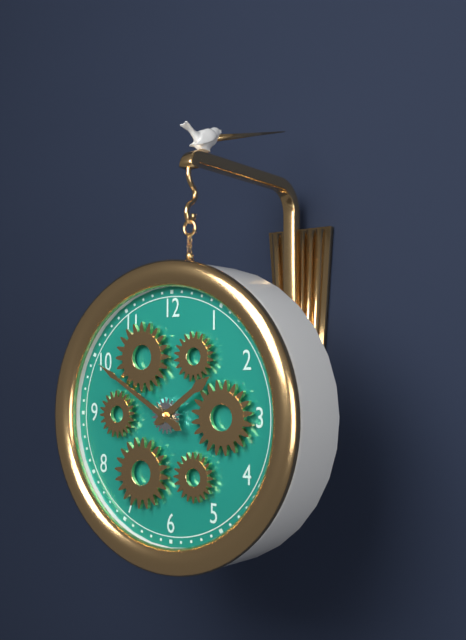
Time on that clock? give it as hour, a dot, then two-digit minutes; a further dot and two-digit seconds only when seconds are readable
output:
1.50
